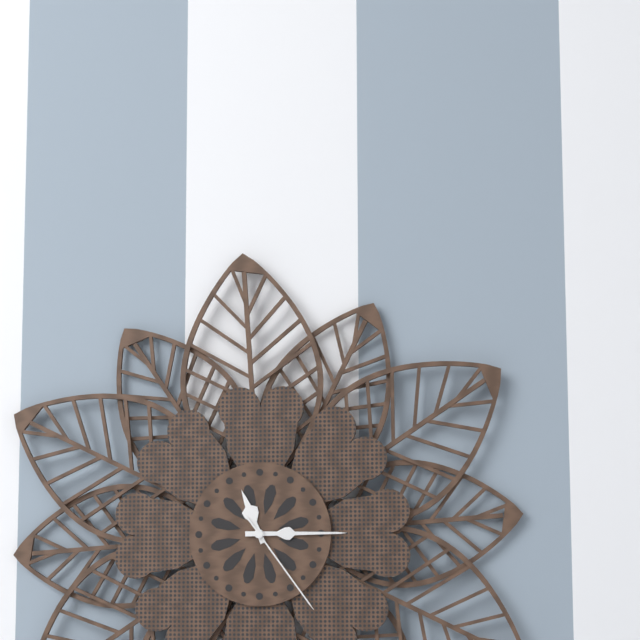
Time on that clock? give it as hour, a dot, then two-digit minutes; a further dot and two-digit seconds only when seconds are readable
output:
11.15.24
